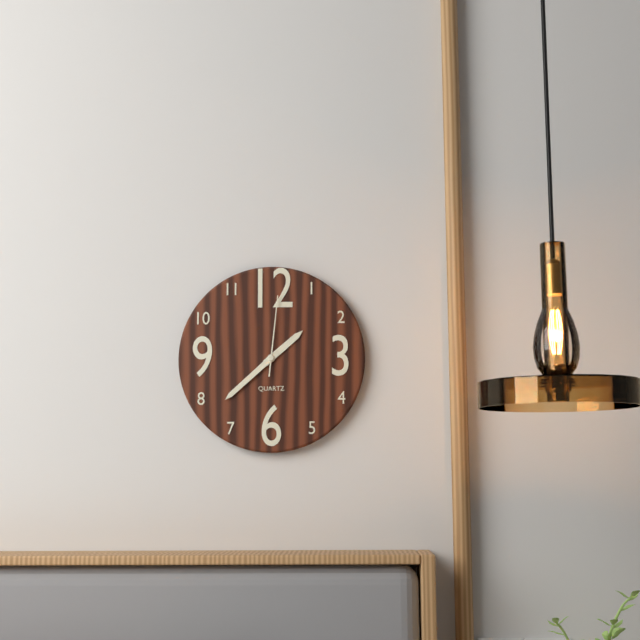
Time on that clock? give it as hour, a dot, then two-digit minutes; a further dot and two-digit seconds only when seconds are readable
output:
1.38.01
